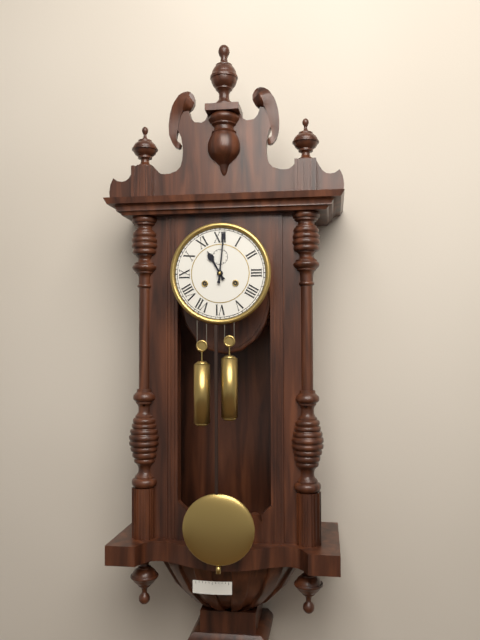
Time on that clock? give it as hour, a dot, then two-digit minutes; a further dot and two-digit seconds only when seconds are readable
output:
11.01
